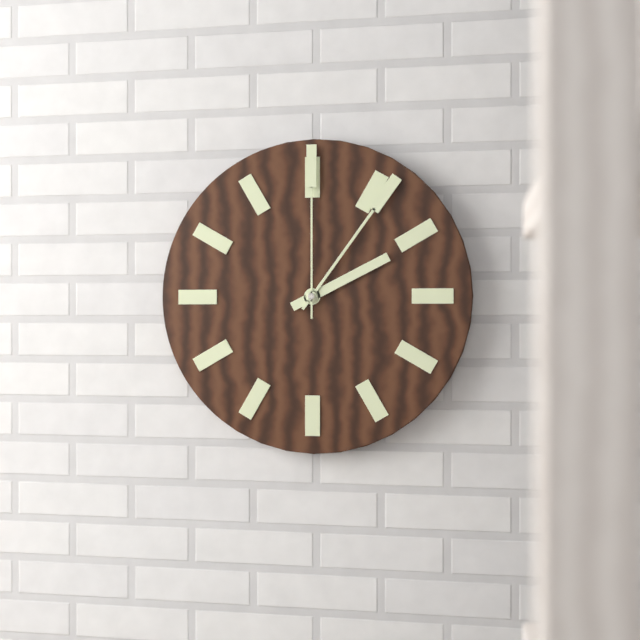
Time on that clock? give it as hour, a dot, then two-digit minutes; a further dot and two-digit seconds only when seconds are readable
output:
2.06.00
